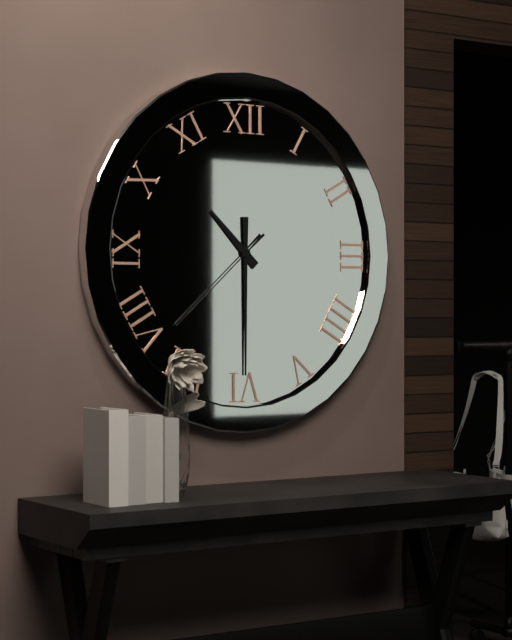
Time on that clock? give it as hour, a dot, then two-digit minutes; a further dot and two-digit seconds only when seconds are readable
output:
10.30.38
